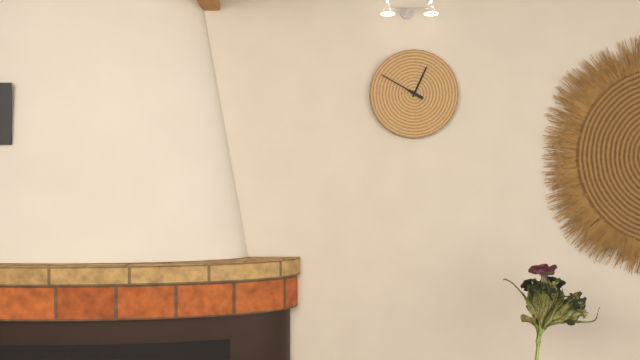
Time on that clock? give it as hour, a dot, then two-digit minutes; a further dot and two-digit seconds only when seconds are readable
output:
12.50
